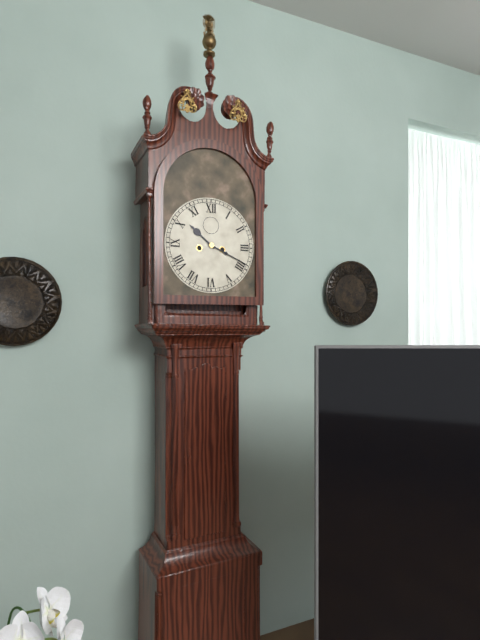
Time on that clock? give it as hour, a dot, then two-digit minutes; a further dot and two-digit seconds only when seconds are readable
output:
10.19
